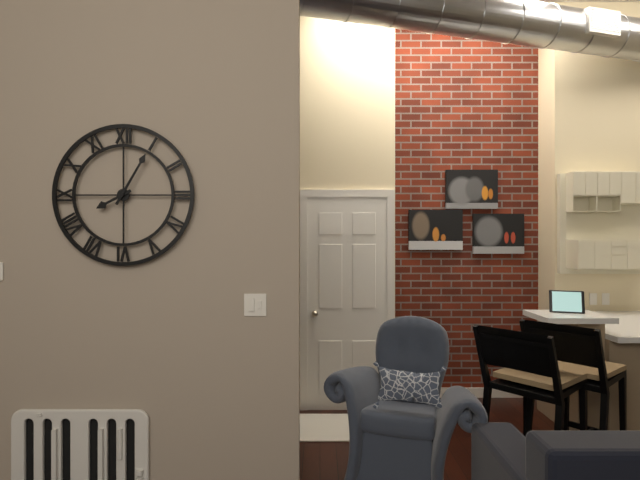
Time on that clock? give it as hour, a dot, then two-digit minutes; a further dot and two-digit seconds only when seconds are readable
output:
8.05
